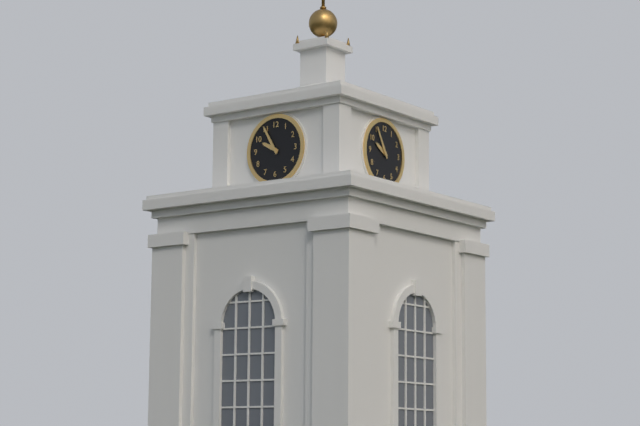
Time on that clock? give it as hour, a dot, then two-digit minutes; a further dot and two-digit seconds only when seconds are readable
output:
9.55
